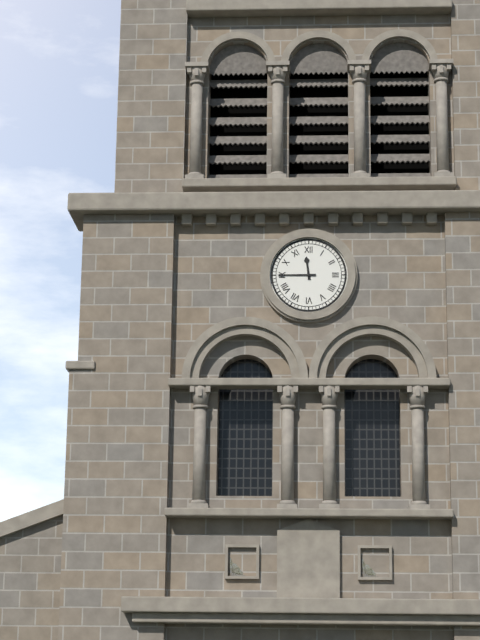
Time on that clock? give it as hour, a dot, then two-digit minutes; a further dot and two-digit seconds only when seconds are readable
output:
11.45
